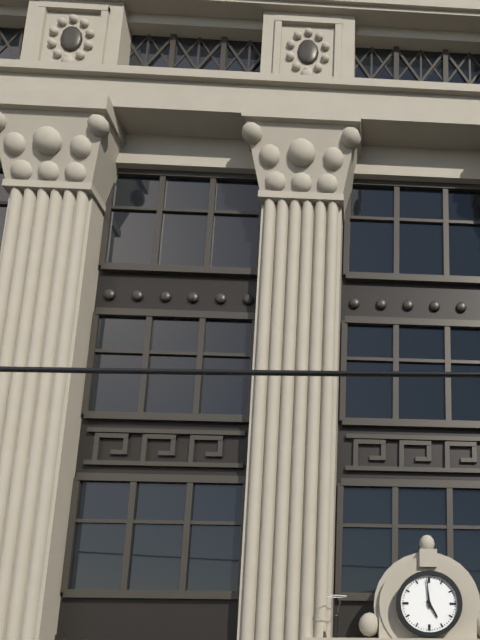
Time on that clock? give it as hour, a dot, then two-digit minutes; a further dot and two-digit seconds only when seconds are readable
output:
4.59
